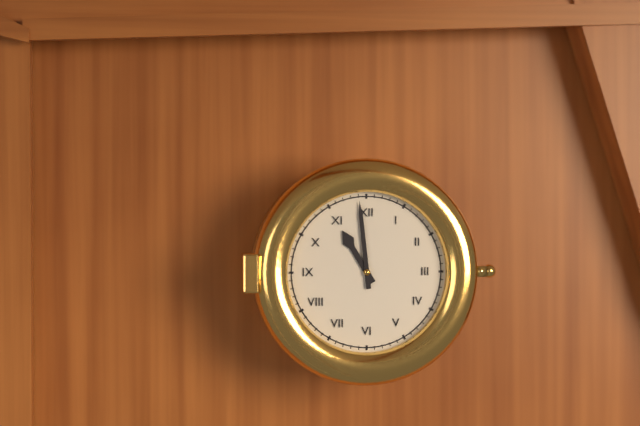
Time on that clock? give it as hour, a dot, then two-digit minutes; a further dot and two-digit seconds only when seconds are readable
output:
10.59
